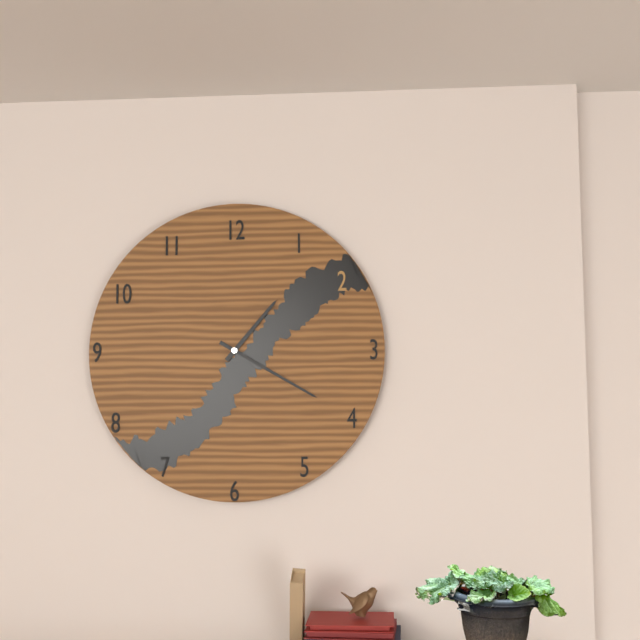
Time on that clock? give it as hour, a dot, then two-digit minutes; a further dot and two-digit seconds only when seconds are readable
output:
1.20
